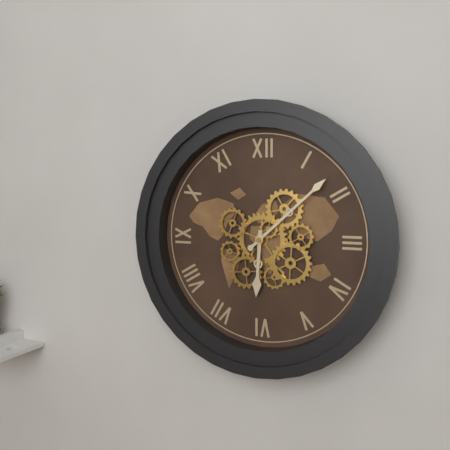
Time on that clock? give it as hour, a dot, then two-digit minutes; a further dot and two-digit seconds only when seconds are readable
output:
6.08
